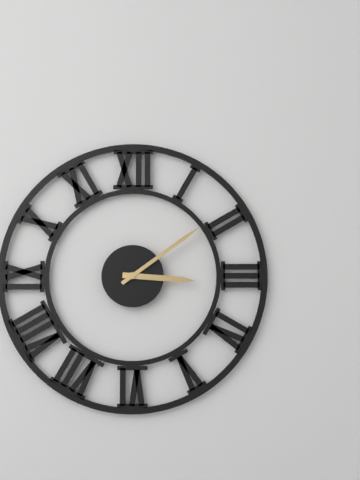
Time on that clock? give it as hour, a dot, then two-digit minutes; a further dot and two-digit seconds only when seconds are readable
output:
3.09
